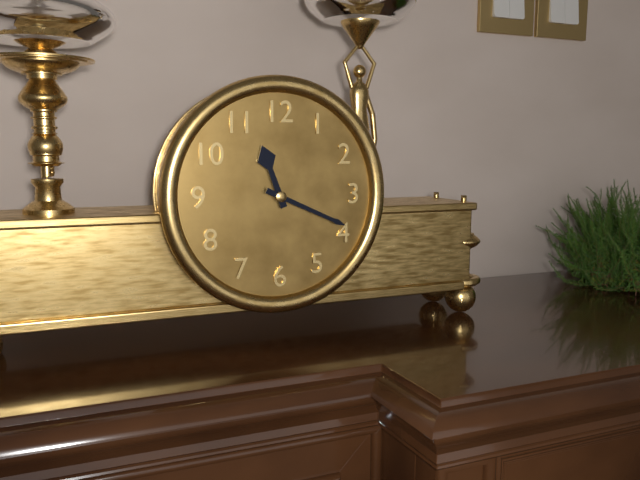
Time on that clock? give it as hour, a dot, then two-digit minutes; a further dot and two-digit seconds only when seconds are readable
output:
11.19
